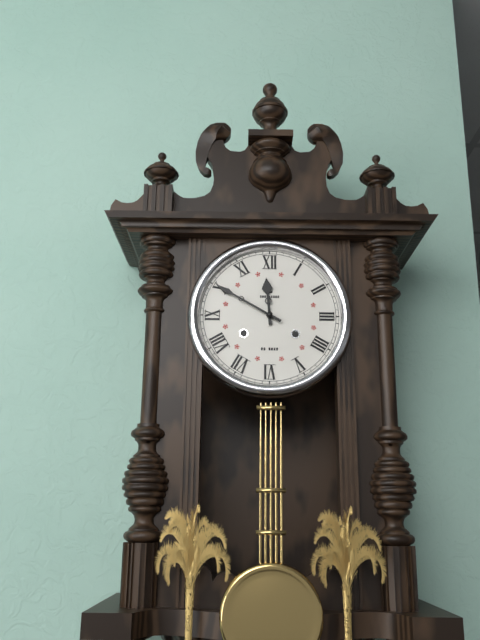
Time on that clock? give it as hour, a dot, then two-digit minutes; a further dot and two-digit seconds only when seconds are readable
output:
11.50
